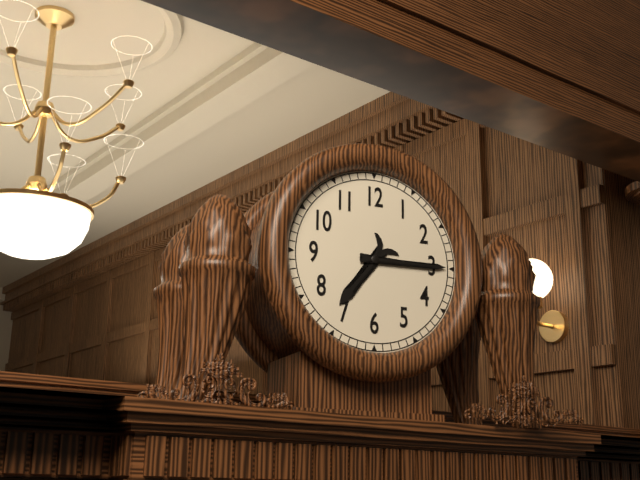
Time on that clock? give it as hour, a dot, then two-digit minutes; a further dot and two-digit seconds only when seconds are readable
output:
7.15
